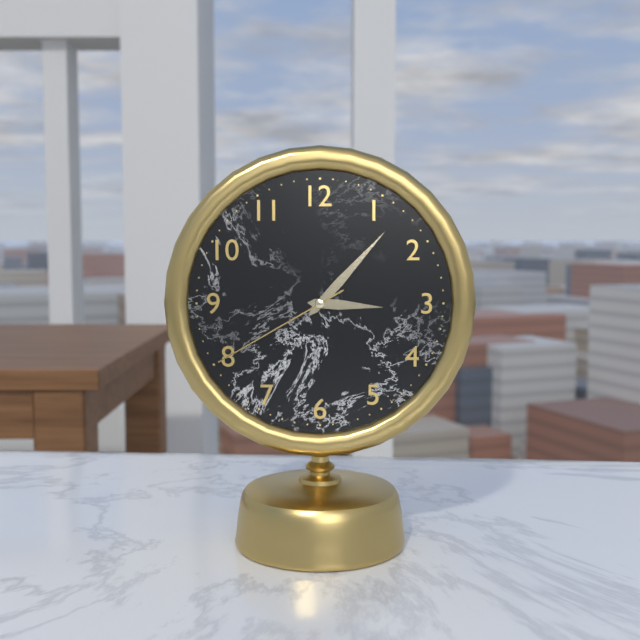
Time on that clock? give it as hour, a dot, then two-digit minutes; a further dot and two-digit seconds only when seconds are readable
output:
3.07.40
